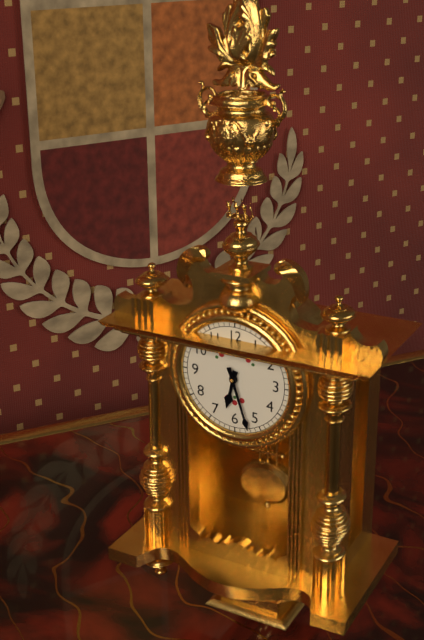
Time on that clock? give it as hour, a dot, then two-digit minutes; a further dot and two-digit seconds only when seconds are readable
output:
6.27
